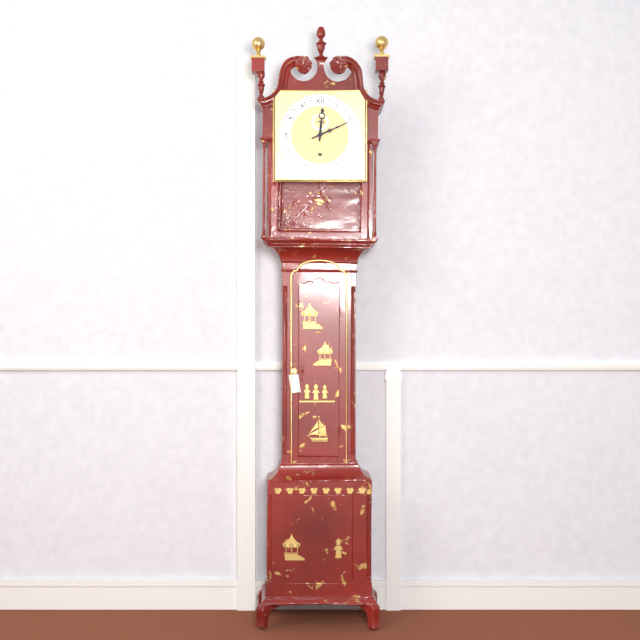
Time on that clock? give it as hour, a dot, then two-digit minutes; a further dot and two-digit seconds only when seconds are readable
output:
12.11
